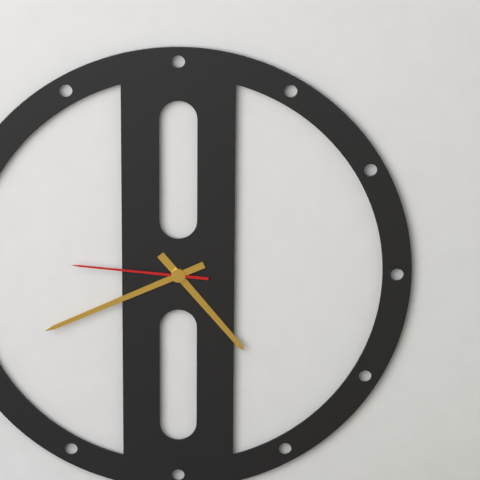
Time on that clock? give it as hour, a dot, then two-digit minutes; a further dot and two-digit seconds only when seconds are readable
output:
4.41.46
